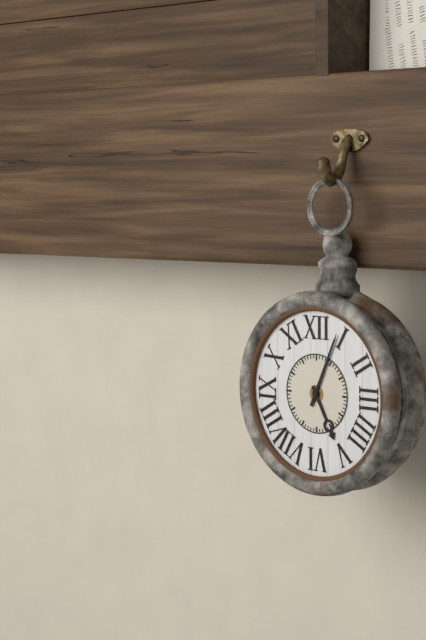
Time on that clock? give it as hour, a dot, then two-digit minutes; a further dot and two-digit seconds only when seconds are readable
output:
5.04
